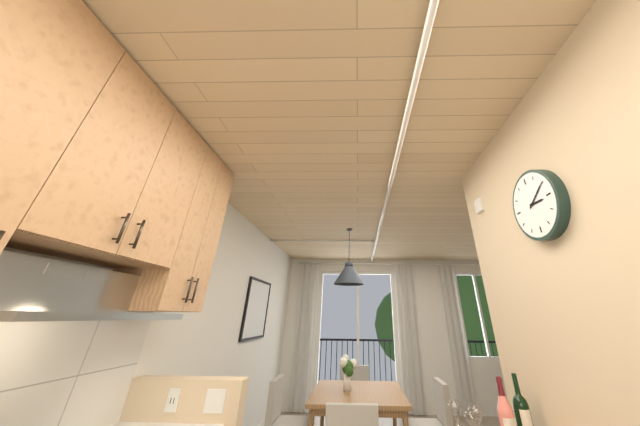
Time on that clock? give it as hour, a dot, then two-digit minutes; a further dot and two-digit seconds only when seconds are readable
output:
3.10
